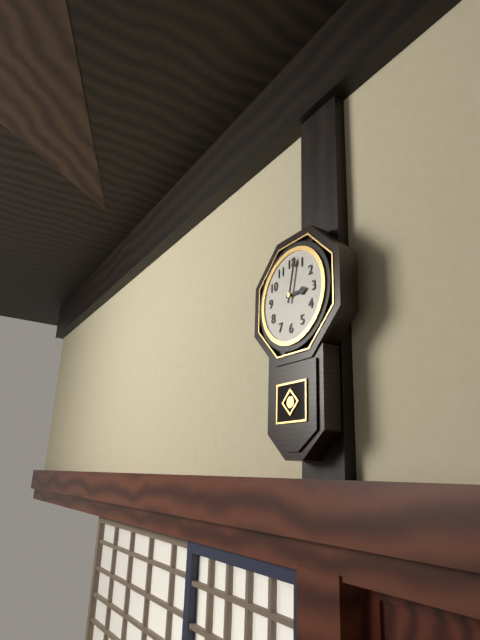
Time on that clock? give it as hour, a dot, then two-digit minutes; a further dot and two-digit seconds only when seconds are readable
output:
3.02
